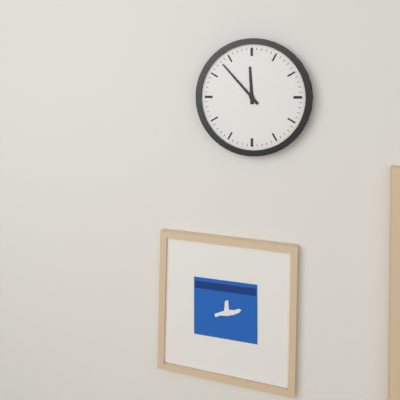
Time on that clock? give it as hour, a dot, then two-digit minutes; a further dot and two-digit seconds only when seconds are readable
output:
11.53
